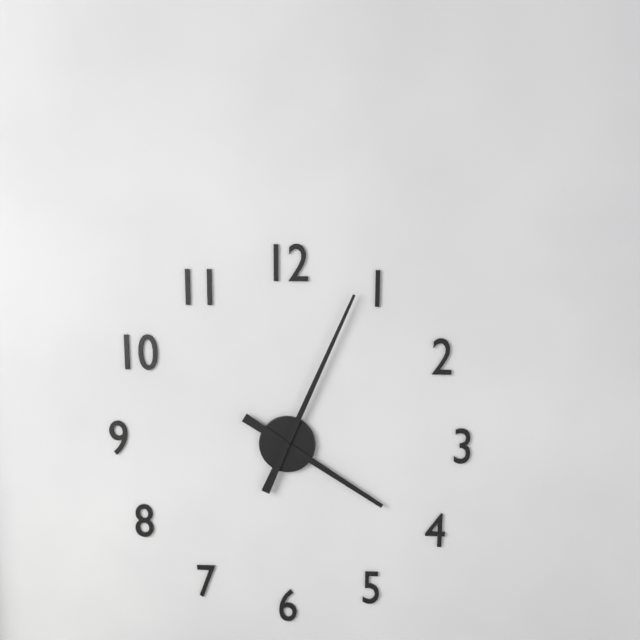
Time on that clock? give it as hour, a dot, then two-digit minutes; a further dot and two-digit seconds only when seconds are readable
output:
4.04
